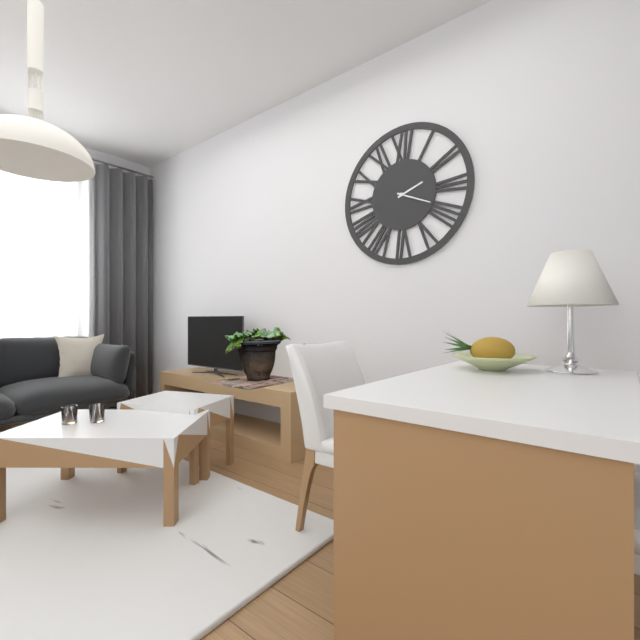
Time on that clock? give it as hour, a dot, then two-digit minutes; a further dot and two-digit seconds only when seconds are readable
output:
2.19
